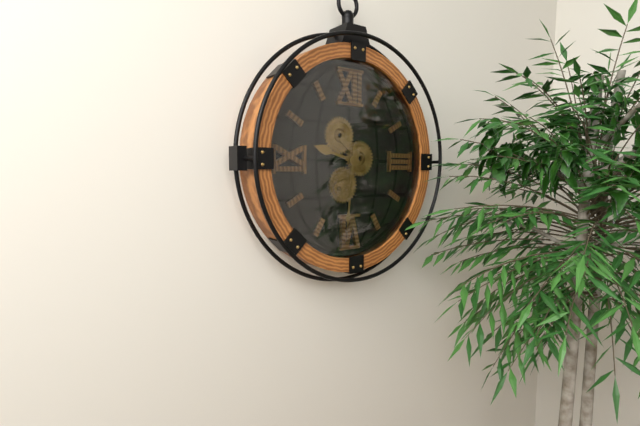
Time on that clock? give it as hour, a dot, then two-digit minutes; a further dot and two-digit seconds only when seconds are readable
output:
9.31
